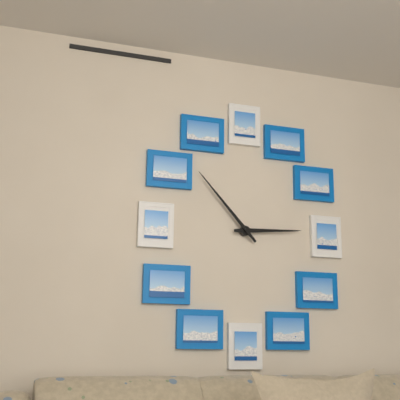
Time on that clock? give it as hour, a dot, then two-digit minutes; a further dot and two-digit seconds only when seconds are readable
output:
2.53
